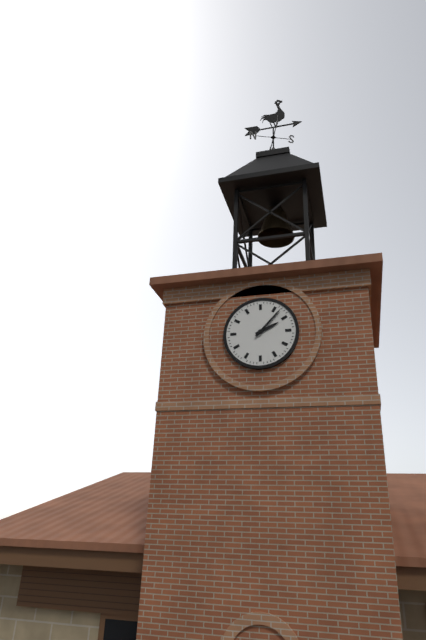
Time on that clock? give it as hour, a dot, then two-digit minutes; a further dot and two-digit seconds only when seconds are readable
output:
2.07
